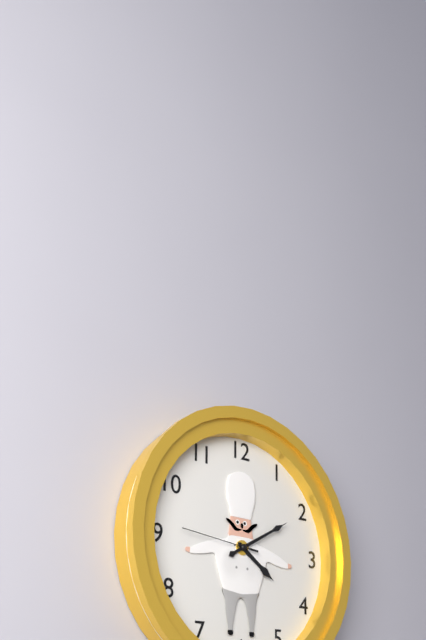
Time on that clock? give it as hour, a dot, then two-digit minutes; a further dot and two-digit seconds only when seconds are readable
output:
4.10.46
